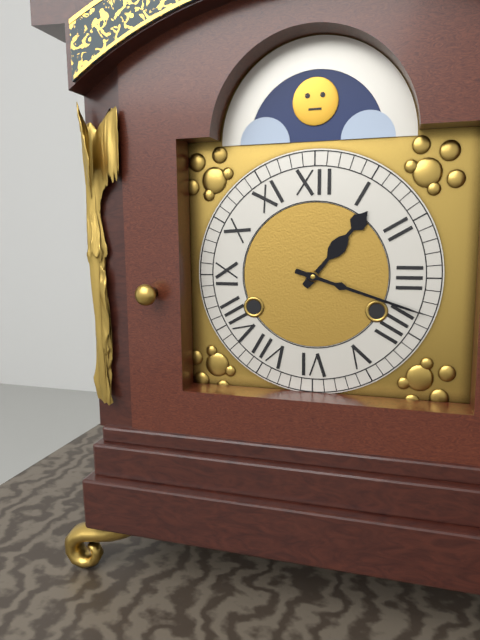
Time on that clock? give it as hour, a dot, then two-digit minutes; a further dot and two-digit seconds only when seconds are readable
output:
1.18
